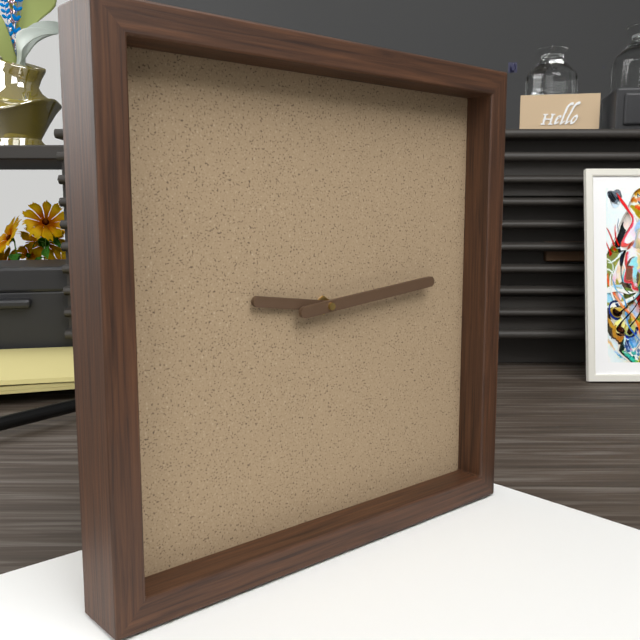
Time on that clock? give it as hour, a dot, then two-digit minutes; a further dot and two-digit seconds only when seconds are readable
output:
9.14
